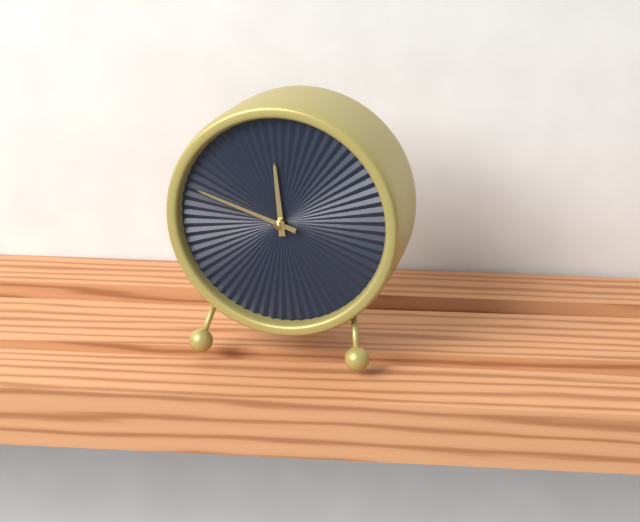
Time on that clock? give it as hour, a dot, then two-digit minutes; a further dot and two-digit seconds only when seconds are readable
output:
11.48
